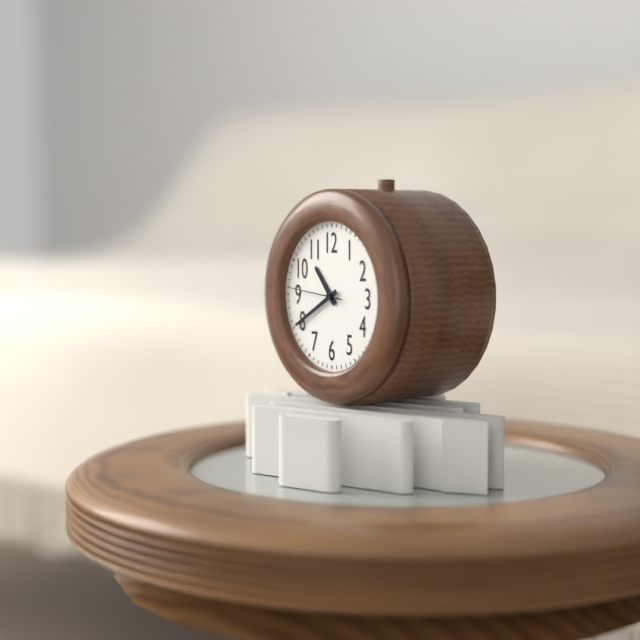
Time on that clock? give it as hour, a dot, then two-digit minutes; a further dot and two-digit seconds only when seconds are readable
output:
10.40.46
